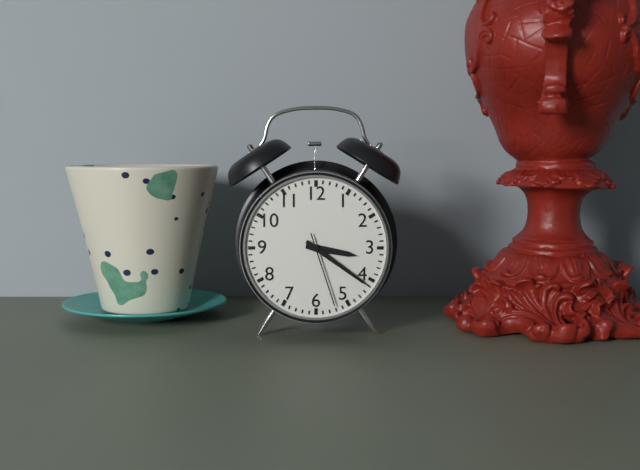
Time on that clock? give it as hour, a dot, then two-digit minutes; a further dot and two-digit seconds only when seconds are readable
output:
3.21.27
